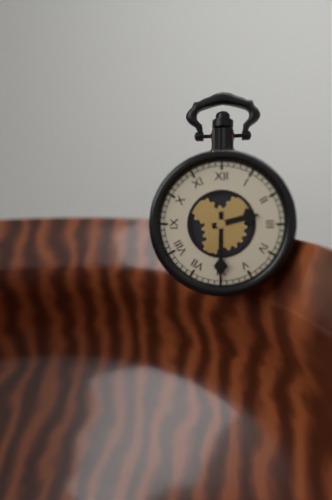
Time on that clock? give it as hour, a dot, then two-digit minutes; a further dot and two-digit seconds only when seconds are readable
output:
2.30
